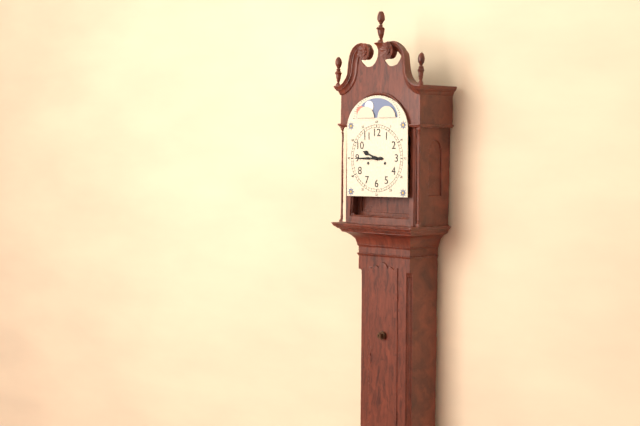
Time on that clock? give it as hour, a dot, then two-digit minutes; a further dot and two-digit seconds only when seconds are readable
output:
9.45
